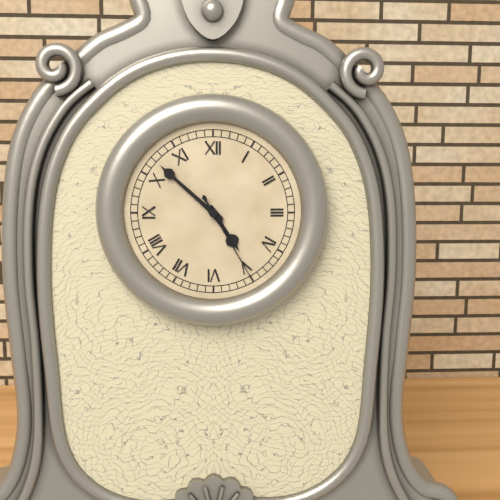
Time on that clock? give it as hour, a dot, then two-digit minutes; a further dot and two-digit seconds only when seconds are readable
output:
4.52.25
